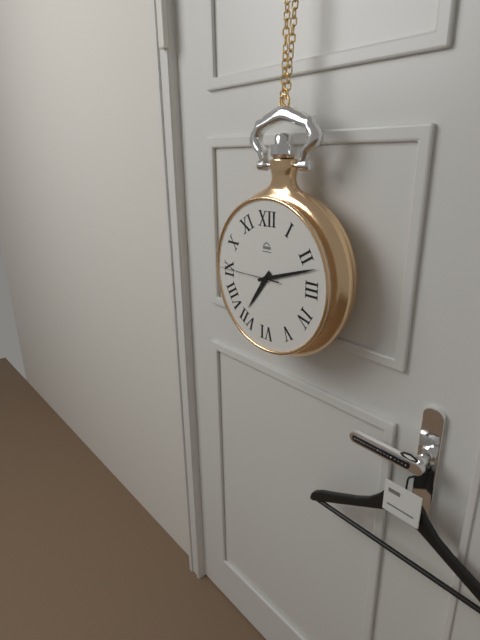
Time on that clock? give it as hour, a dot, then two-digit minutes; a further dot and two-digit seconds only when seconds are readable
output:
7.12.45
